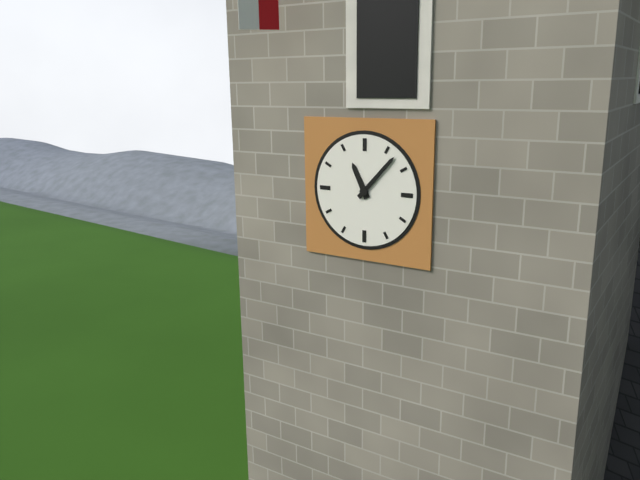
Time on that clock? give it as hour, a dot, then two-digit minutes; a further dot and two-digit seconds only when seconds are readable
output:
11.07
